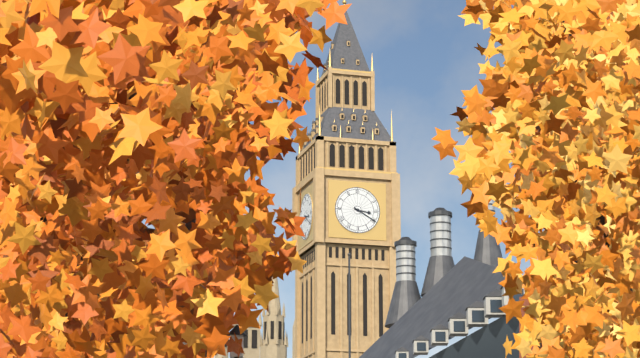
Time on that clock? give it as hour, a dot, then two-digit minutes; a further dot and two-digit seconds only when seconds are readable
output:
3.20
